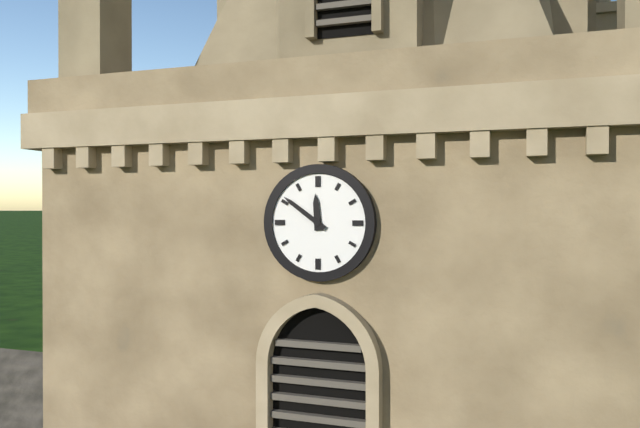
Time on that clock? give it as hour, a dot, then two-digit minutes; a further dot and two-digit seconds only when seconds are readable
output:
11.51
